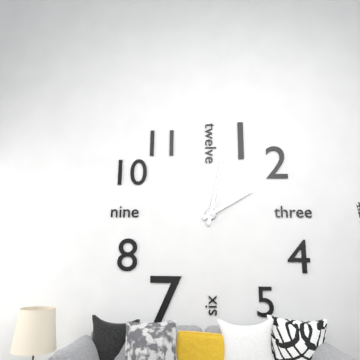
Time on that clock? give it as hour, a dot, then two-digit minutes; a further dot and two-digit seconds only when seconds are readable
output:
2.02
